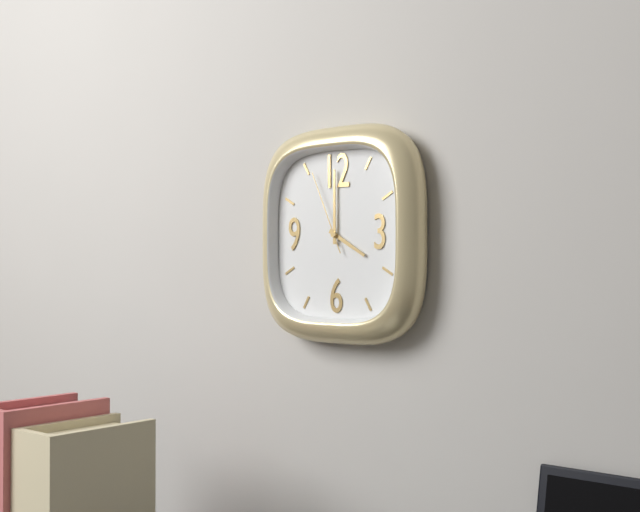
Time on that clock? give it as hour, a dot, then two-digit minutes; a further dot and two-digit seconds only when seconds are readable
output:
4.00.56
